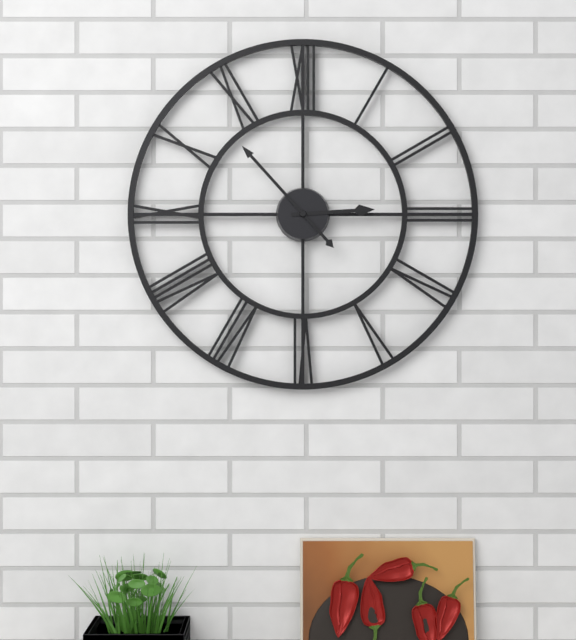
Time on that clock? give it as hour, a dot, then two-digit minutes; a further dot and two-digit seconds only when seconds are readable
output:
2.53
